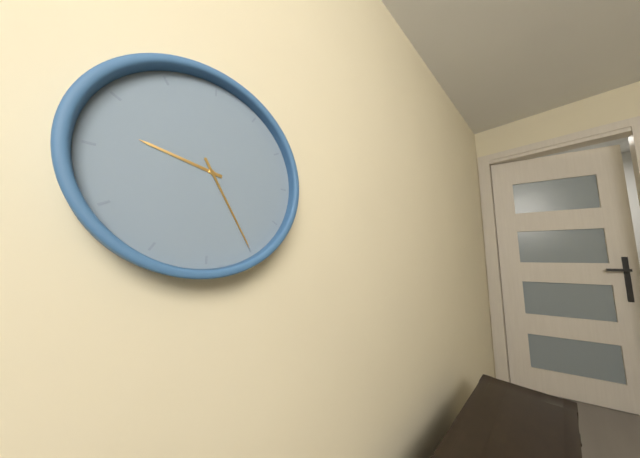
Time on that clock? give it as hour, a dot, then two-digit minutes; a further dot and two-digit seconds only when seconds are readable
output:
9.25
